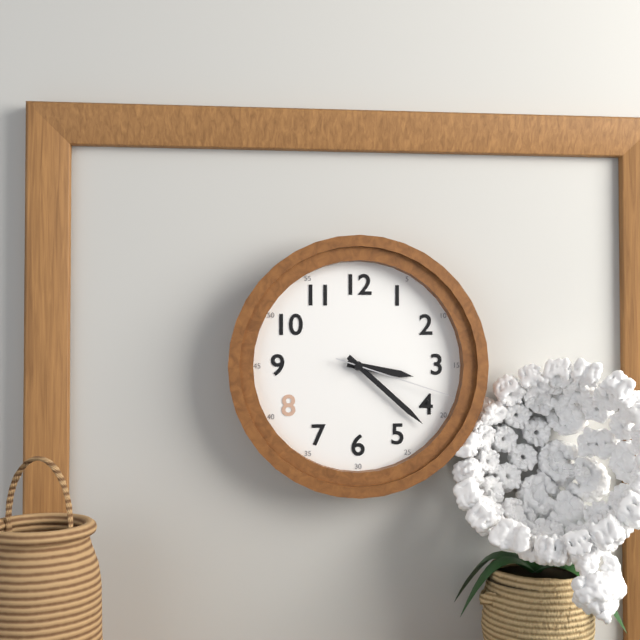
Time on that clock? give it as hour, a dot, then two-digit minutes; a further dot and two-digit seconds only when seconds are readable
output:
3.22.18
